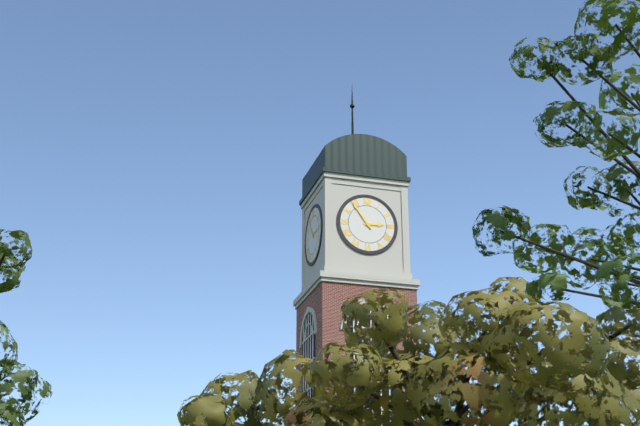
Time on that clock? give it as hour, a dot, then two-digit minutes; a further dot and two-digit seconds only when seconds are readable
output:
2.54
